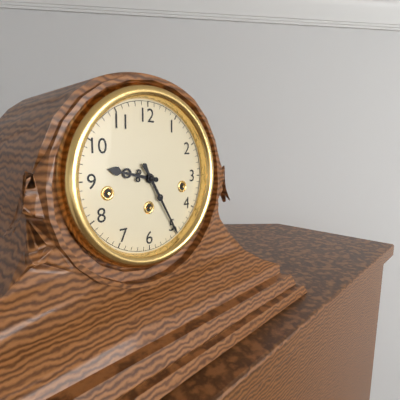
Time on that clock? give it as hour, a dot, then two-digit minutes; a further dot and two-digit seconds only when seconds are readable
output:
9.25
